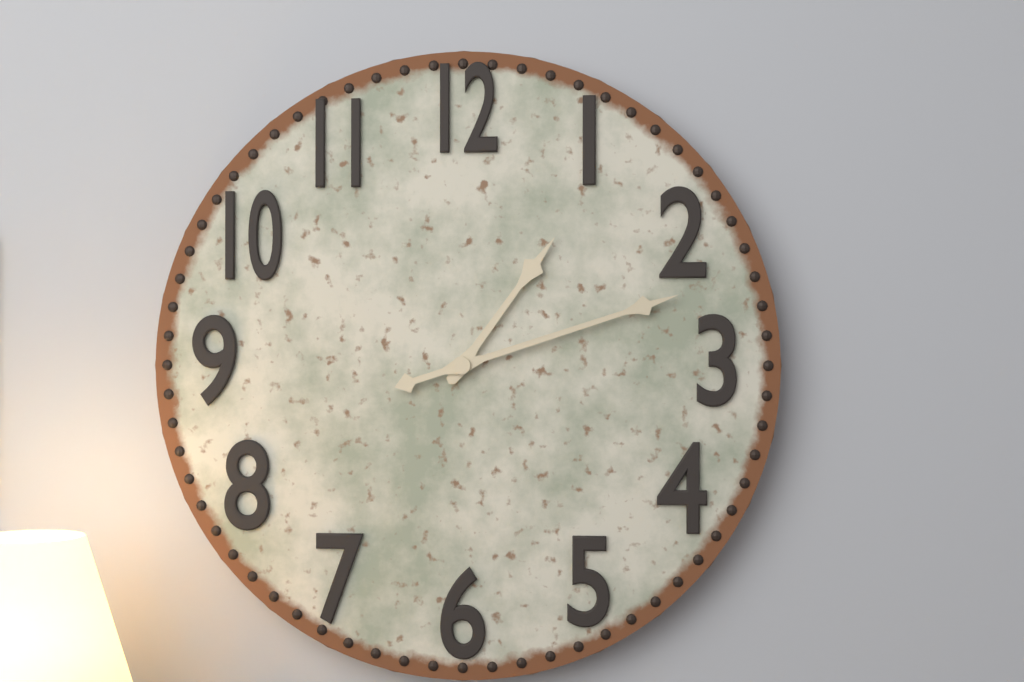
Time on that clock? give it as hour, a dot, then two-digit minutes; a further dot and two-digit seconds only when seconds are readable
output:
1.12
